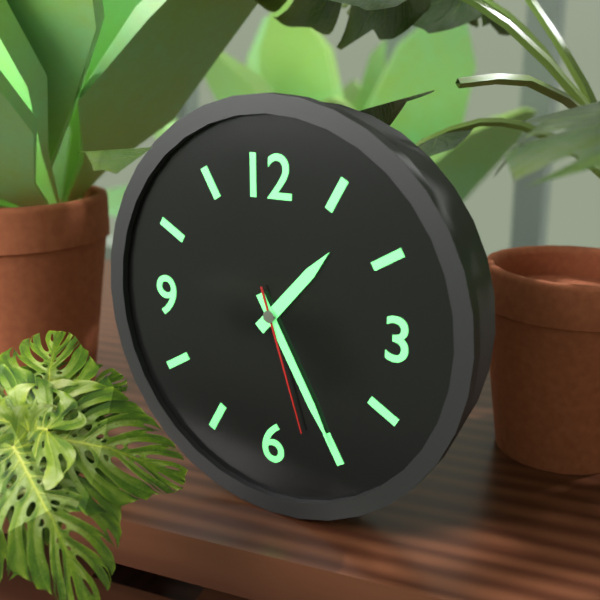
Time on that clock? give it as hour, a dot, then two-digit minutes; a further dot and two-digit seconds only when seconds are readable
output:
1.25.27
